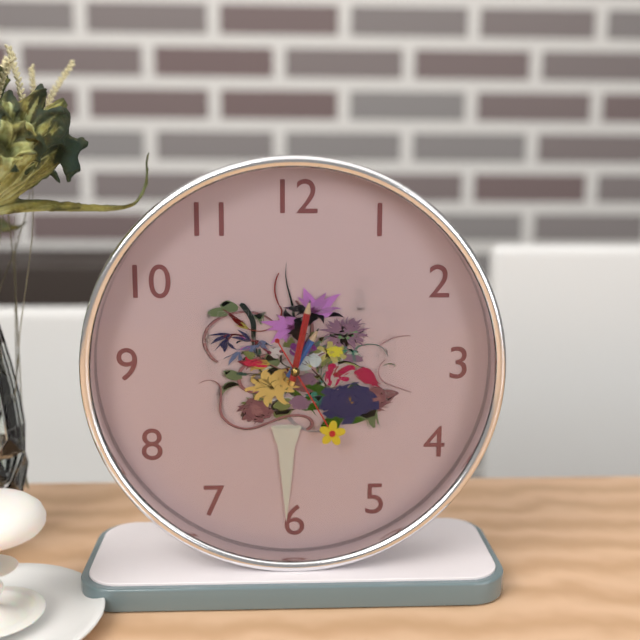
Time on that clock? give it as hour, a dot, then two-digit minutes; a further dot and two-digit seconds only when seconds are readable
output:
1.02.25
